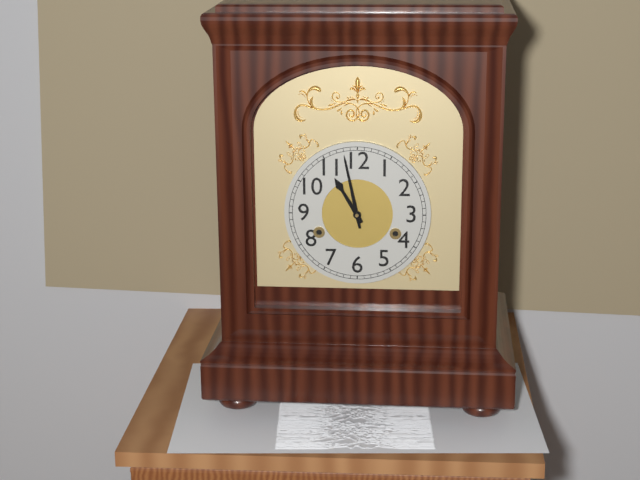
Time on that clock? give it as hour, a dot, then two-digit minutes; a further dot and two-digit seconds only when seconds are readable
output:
10.58
